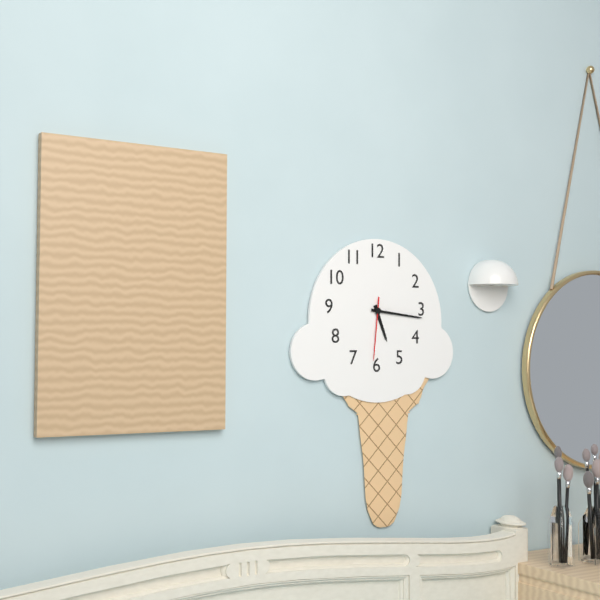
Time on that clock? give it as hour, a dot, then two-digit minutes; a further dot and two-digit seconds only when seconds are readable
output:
5.16.31
